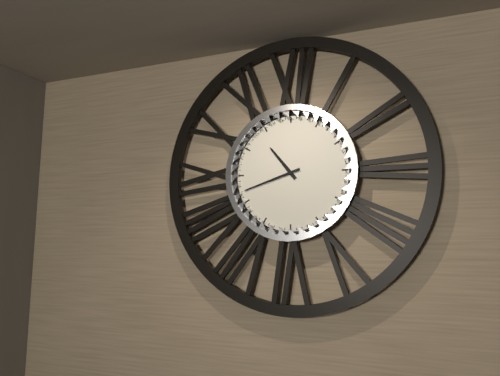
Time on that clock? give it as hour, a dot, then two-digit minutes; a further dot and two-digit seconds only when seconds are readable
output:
10.42
